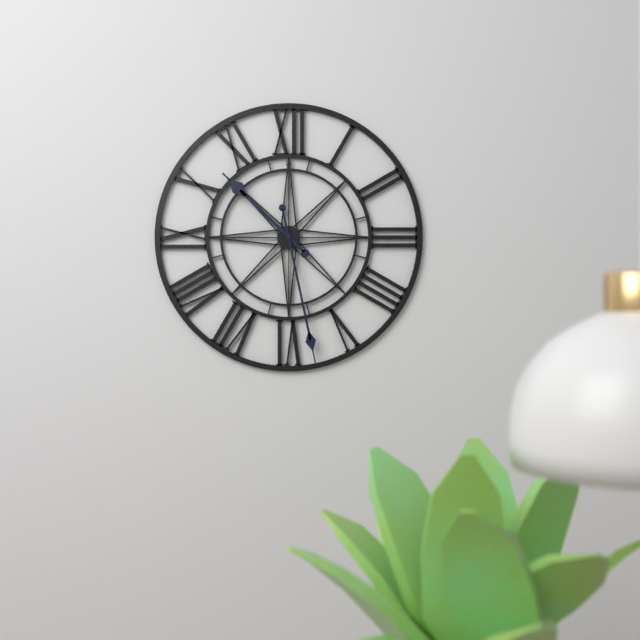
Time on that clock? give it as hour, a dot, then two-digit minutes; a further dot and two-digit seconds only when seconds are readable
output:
10.28
